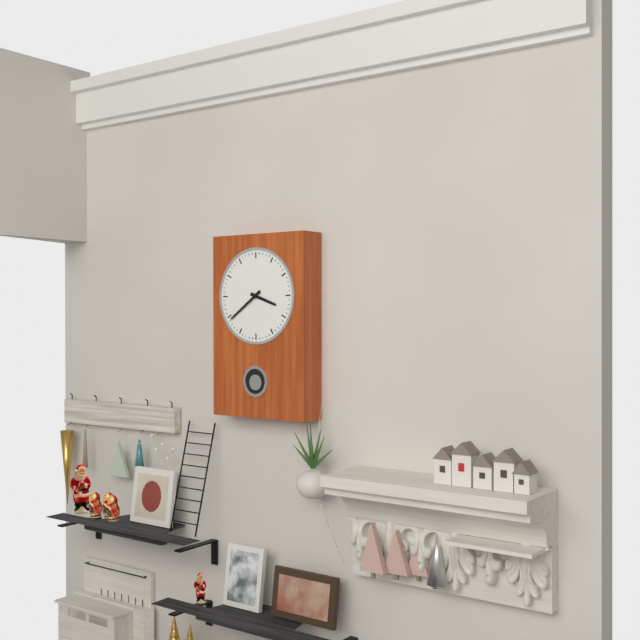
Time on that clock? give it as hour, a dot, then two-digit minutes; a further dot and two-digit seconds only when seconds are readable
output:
3.39
